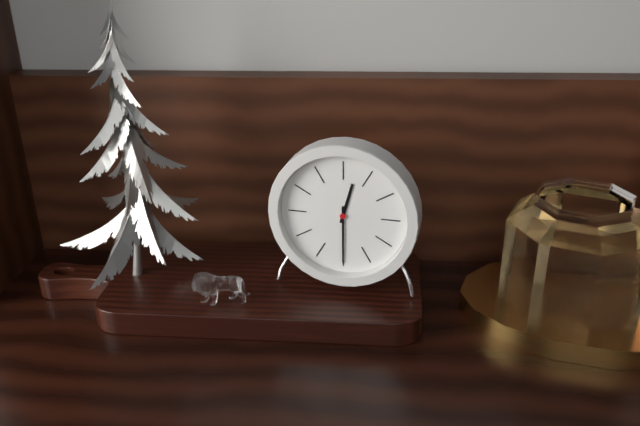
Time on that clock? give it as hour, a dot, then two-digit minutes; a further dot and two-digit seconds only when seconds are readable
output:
12.30
